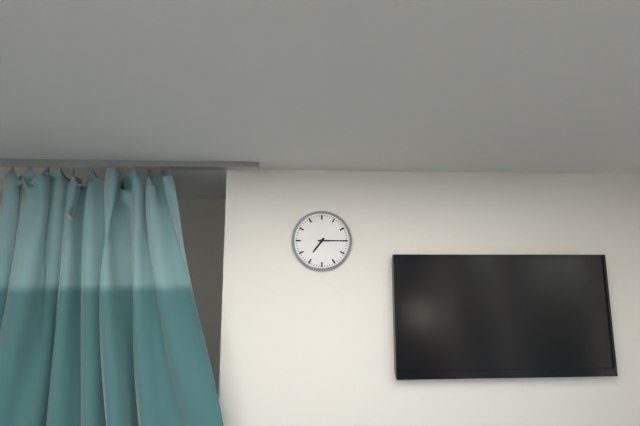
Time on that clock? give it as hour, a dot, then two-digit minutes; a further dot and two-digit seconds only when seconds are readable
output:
7.15
